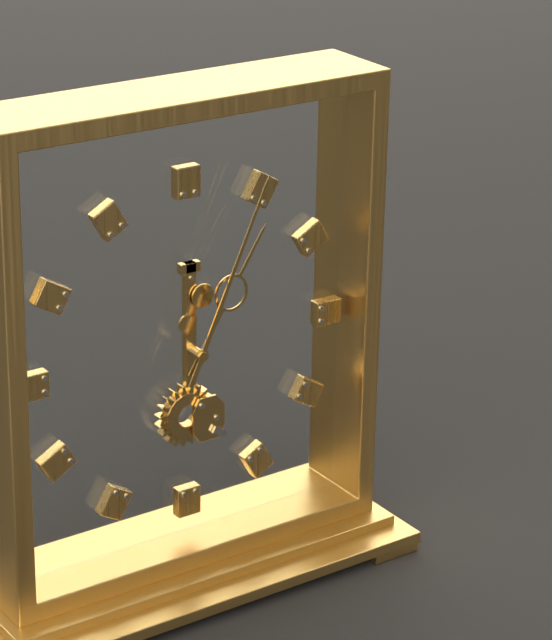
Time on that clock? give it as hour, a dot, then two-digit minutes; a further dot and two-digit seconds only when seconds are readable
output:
1.04
